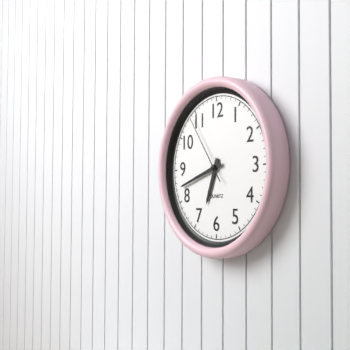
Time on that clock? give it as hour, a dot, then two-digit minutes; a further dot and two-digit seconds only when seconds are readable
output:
6.42.54
